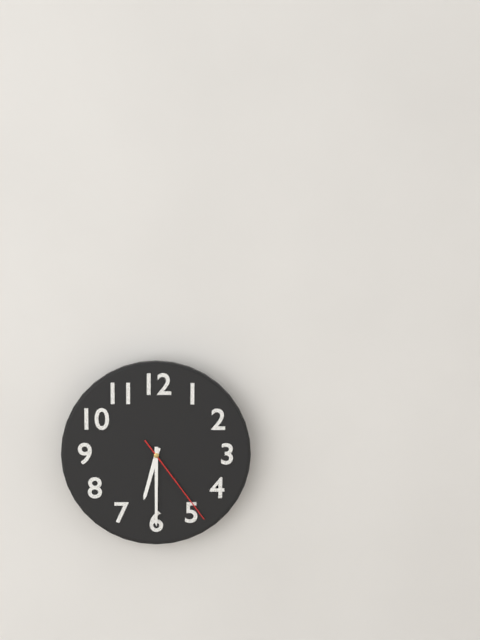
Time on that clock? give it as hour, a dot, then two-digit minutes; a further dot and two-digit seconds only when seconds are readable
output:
6.30.24
